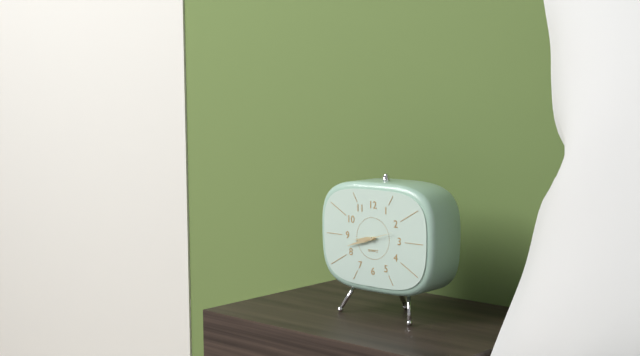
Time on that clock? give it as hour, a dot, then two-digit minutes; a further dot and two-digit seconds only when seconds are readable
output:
8.42
